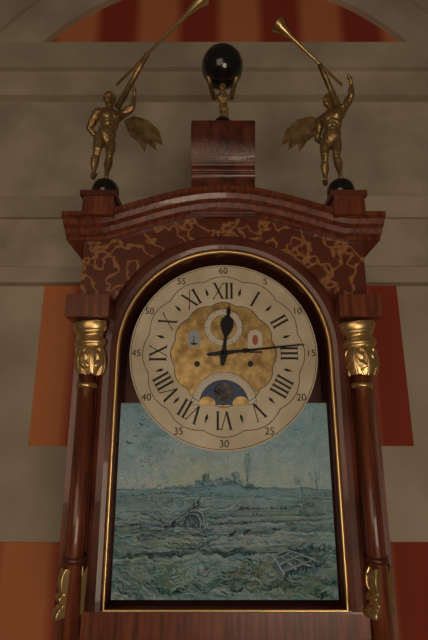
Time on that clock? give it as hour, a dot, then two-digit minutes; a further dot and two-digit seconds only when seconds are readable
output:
12.14
